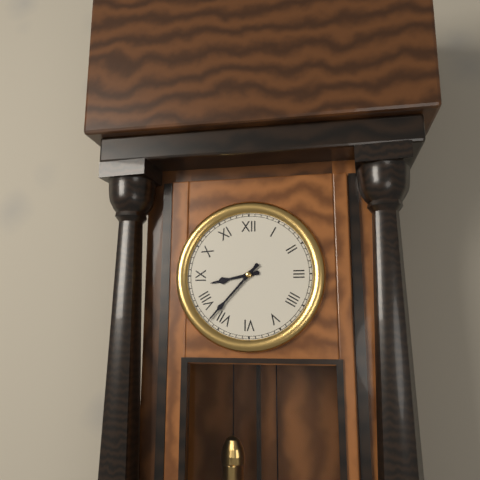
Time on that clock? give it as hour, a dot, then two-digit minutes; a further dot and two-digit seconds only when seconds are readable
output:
8.37
